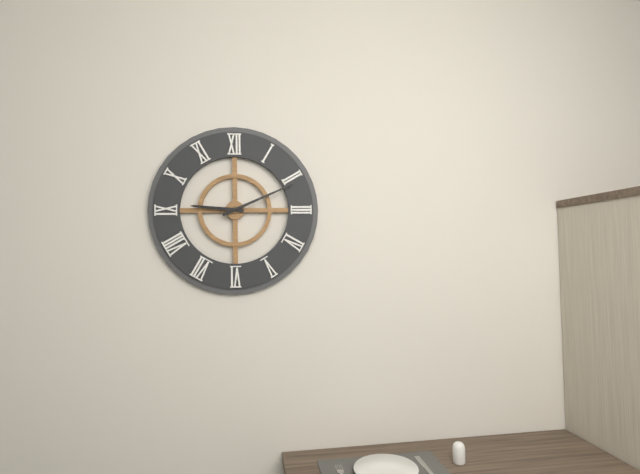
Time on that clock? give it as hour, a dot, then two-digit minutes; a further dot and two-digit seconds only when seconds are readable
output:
9.11
